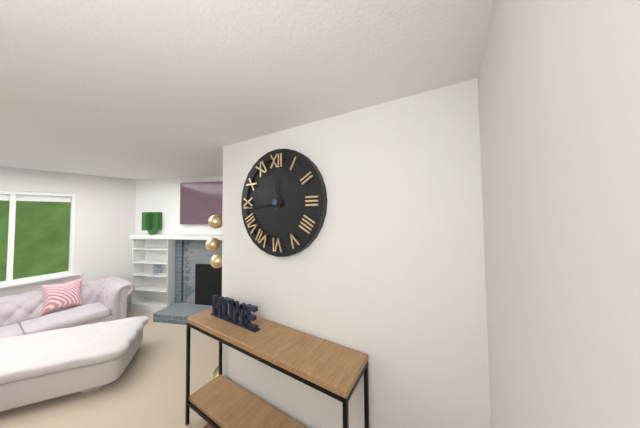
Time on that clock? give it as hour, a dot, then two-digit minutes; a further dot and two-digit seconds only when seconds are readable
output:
11.44
